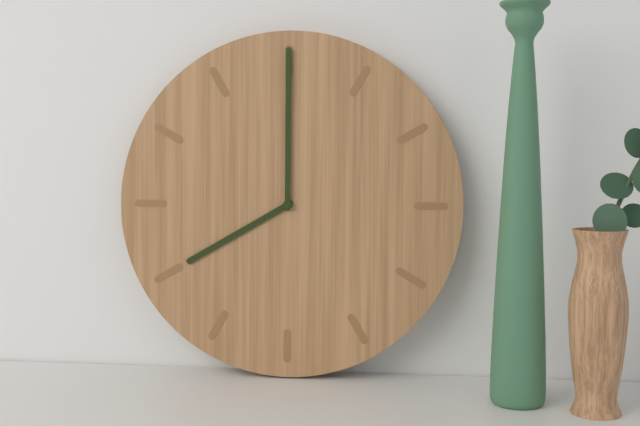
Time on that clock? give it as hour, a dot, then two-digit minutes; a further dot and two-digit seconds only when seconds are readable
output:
8.00
